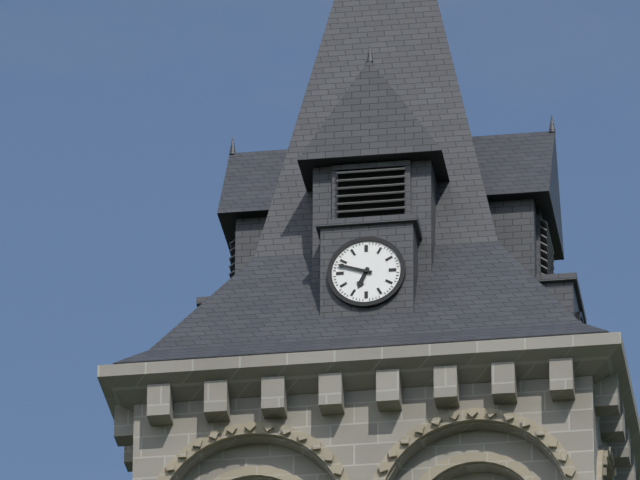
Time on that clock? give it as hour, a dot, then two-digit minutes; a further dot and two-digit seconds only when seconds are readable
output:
6.48
